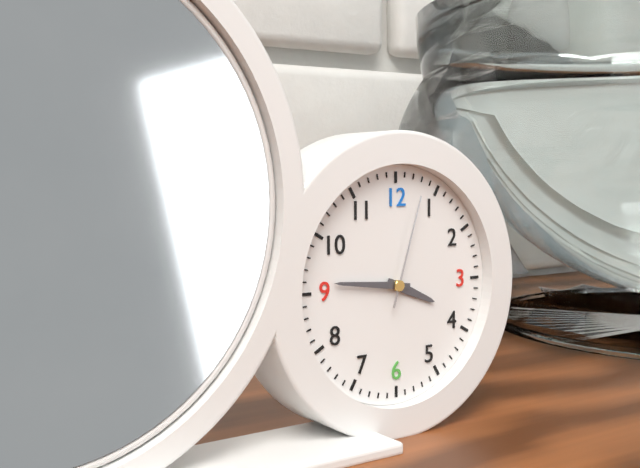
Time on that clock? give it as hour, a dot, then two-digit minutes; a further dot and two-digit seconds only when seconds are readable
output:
3.46.03
